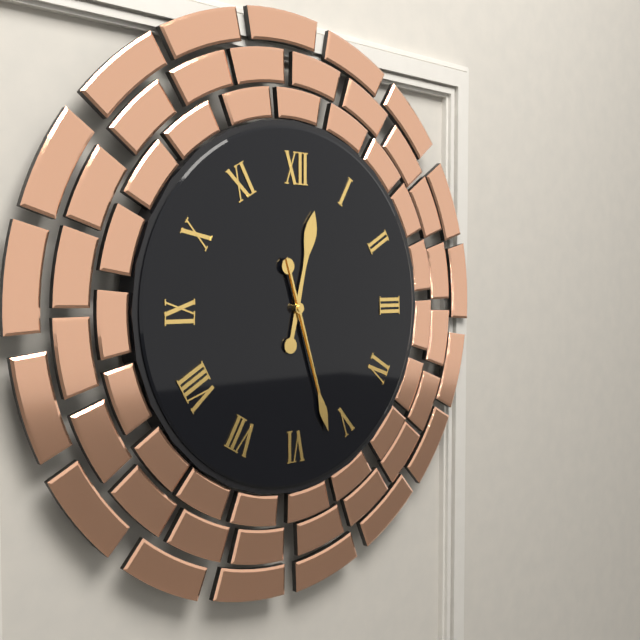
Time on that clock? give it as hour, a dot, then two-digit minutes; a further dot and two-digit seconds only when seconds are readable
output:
12.27.27
